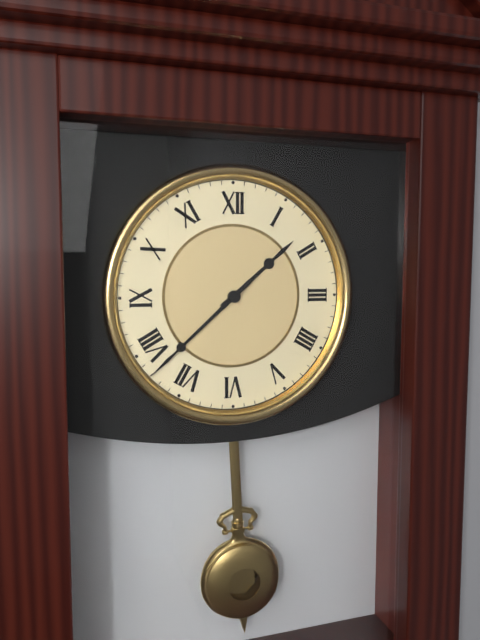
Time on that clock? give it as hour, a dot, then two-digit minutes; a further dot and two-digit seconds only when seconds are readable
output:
1.38
